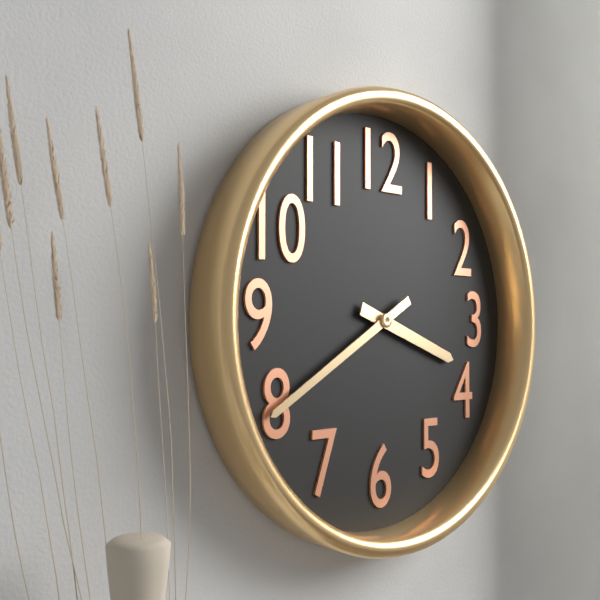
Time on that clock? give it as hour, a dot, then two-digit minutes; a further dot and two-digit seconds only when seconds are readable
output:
3.40
